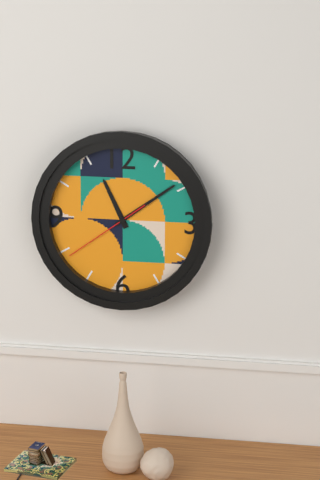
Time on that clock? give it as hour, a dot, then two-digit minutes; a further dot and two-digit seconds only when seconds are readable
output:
11.09.39
